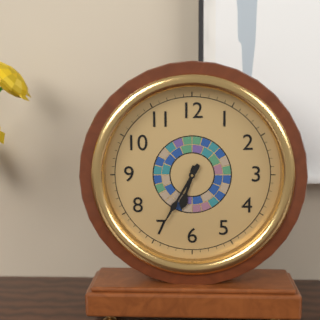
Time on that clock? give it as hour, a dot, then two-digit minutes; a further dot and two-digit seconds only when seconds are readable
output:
6.35
